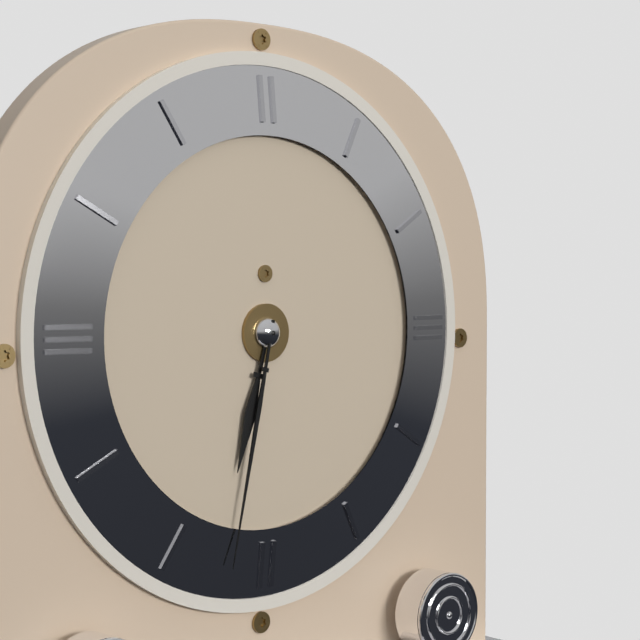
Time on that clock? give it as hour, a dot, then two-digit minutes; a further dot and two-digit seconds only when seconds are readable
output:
6.32
